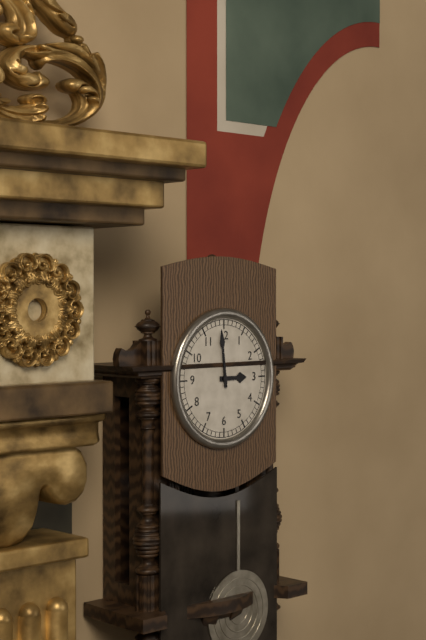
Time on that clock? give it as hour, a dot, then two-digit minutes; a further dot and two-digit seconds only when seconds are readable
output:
2.59
